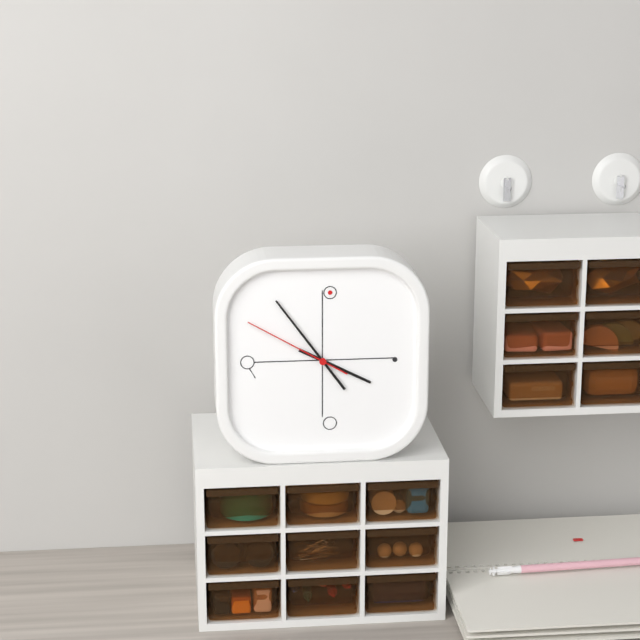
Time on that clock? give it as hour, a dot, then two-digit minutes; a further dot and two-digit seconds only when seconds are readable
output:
3.54.50
